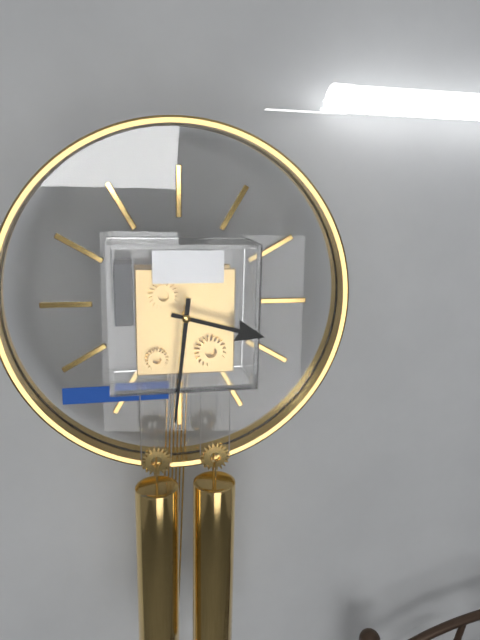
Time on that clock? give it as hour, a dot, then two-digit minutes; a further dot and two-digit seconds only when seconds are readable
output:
3.31
